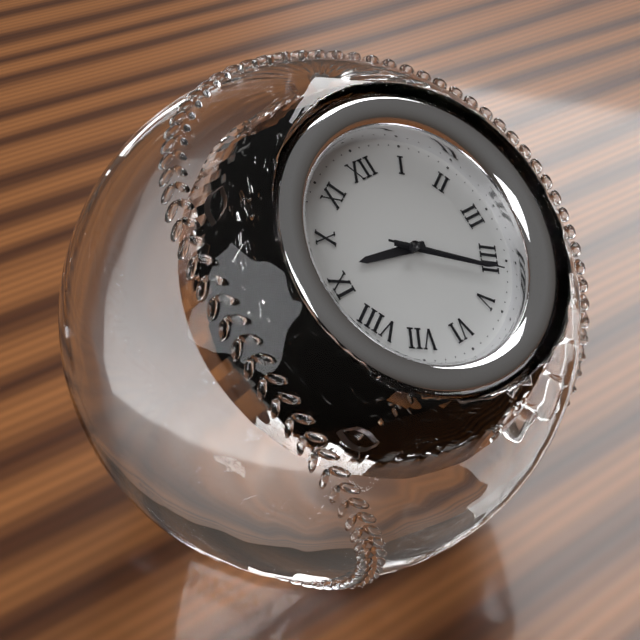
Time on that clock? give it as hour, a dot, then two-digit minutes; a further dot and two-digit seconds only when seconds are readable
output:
9.21.21
